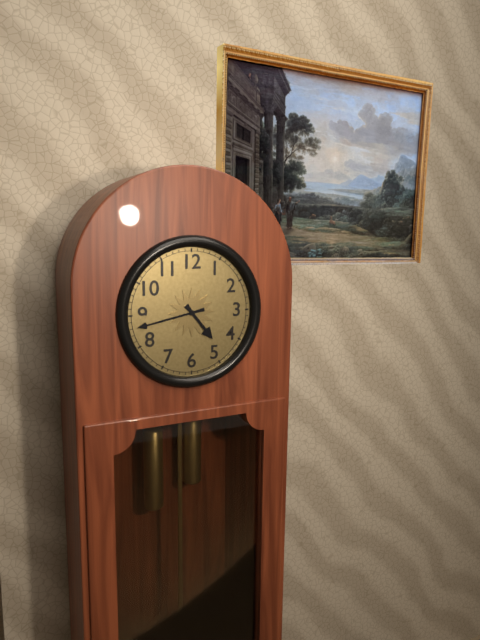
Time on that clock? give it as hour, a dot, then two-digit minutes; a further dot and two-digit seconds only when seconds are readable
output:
4.43
